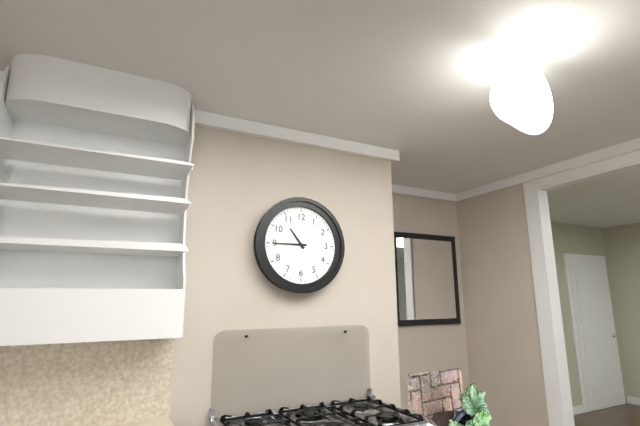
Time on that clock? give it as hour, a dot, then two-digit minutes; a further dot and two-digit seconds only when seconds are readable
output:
10.45
